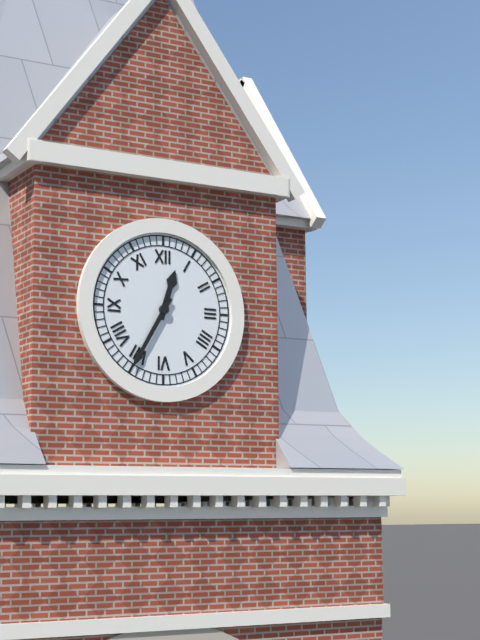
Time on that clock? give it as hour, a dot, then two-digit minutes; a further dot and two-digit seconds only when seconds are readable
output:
12.35
